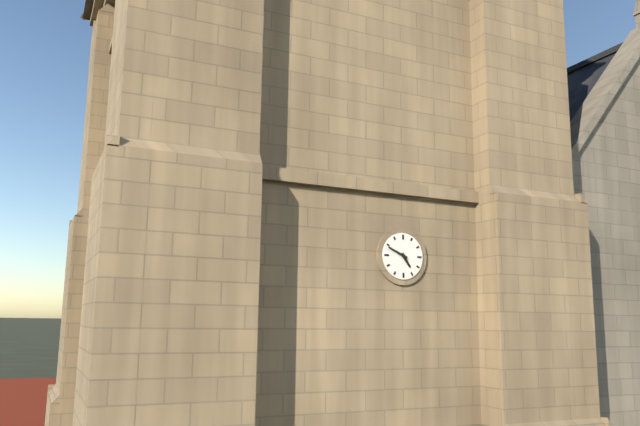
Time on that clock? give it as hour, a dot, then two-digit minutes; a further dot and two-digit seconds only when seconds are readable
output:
4.49
